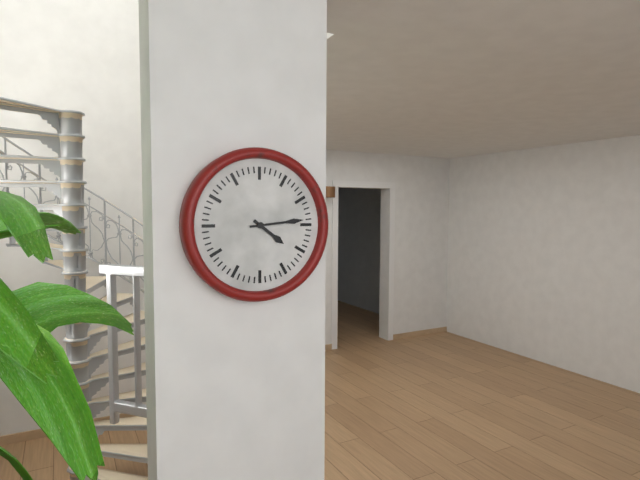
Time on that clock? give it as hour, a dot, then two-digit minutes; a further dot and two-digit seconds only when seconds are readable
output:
4.14
